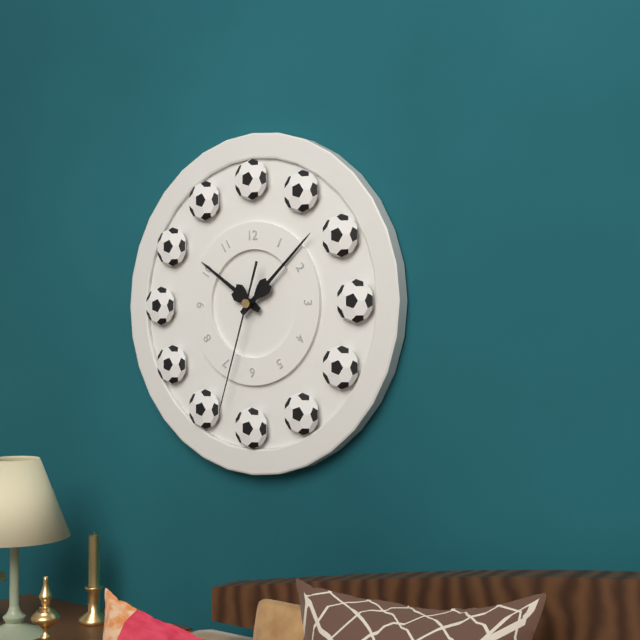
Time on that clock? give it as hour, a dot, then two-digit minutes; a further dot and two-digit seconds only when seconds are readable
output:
10.08.33
